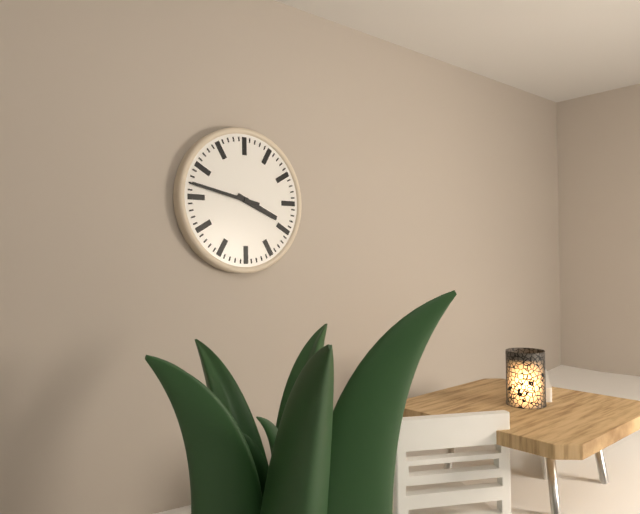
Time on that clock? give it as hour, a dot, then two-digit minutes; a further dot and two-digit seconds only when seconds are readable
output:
3.47
